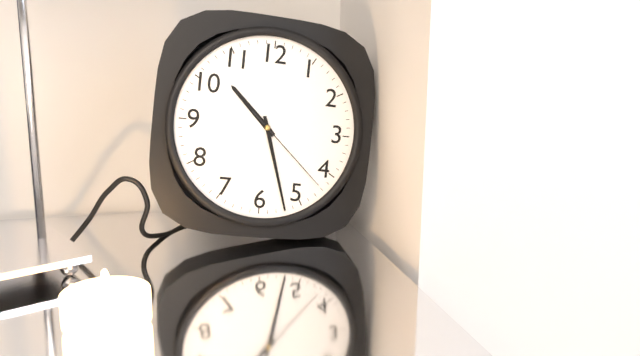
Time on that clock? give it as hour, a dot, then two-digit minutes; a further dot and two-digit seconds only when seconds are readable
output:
10.27.22
